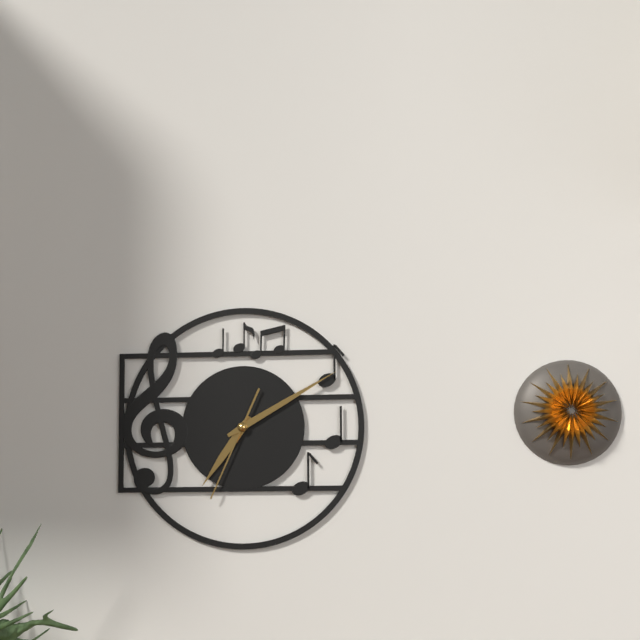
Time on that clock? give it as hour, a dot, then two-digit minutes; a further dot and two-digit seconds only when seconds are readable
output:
7.10.34
